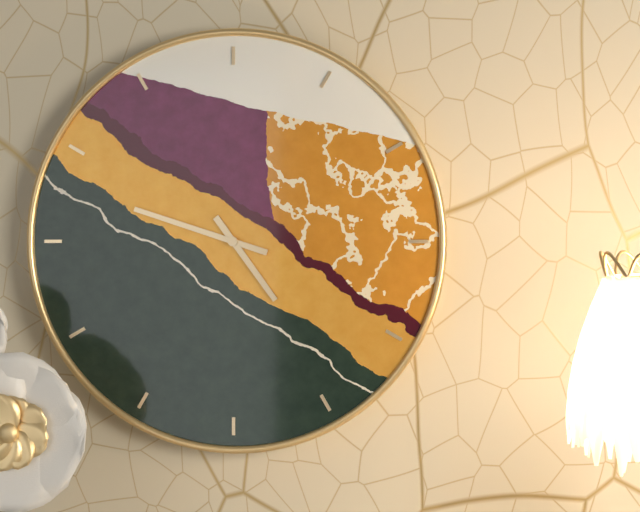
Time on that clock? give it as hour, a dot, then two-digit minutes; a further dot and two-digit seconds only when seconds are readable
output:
4.48
